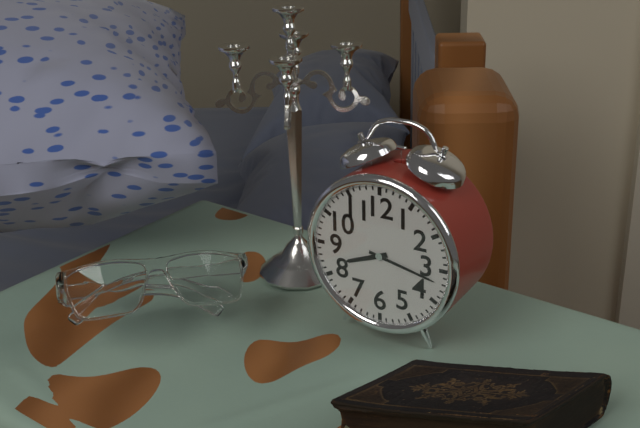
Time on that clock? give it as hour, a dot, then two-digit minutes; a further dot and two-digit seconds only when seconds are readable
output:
8.17
